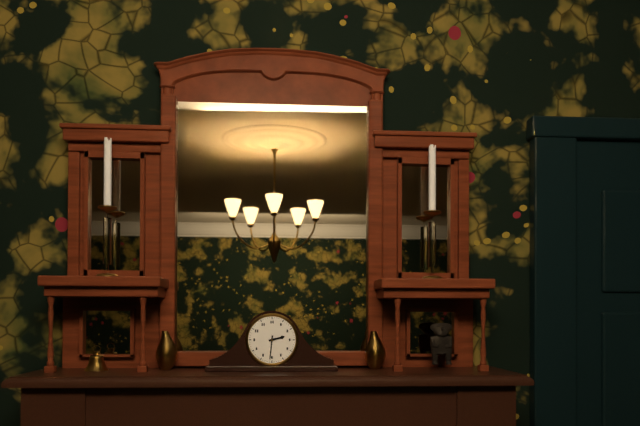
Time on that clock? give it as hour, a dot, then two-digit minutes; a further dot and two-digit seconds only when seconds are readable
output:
2.31
